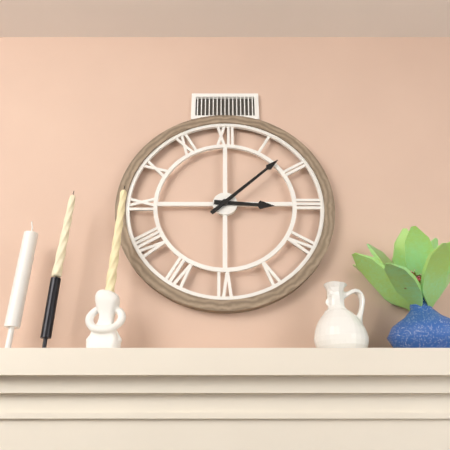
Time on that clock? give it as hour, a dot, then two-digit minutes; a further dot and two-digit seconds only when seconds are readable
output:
3.08
